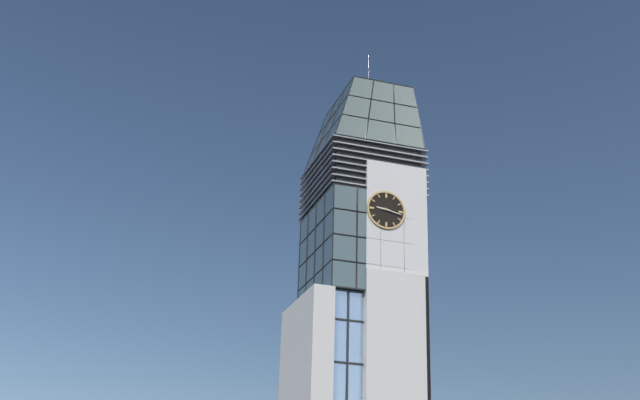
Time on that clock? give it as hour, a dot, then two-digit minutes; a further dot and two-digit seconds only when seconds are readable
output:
9.17
